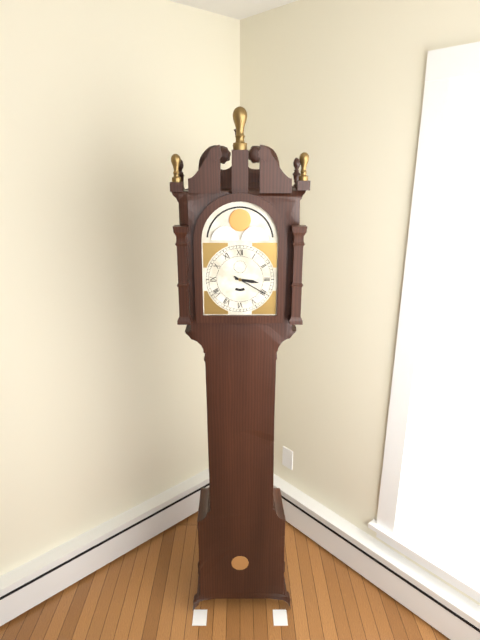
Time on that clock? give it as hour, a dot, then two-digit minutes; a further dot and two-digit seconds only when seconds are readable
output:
3.20
